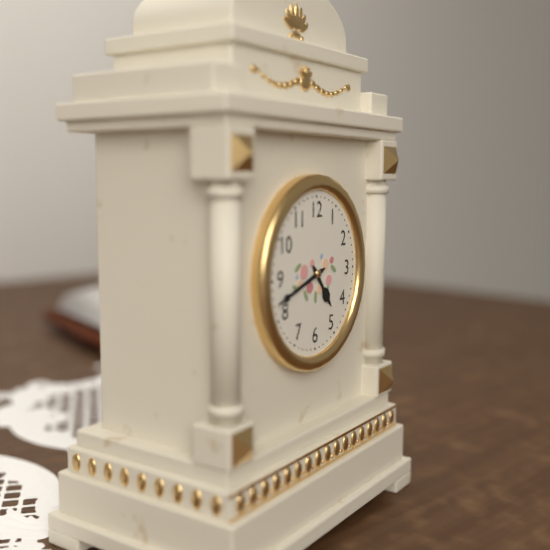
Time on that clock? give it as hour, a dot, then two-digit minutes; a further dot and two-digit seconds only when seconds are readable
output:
4.42
